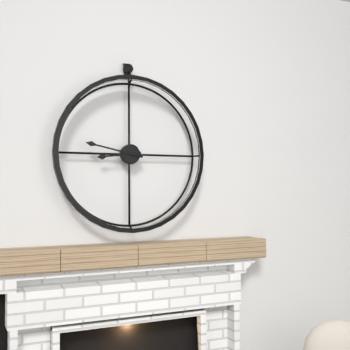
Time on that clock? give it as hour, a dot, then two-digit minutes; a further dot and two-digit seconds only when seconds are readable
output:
8.47
